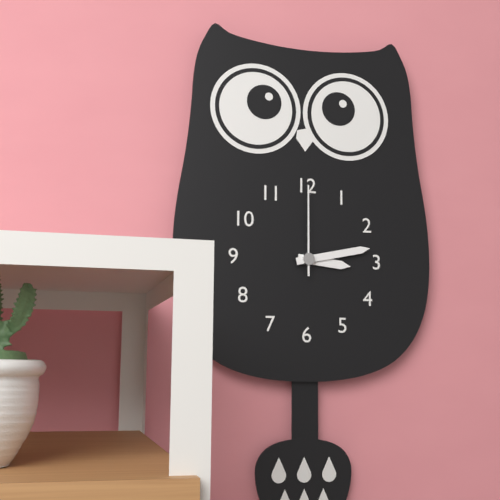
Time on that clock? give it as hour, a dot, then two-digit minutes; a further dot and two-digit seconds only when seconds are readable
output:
3.13.00
